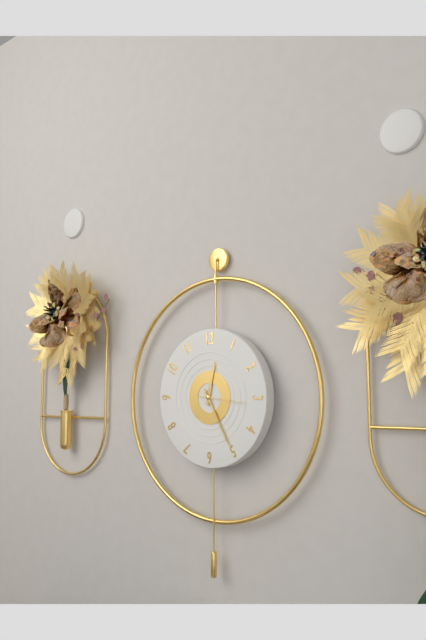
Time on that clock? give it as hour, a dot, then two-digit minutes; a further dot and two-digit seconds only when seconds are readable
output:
12.25
